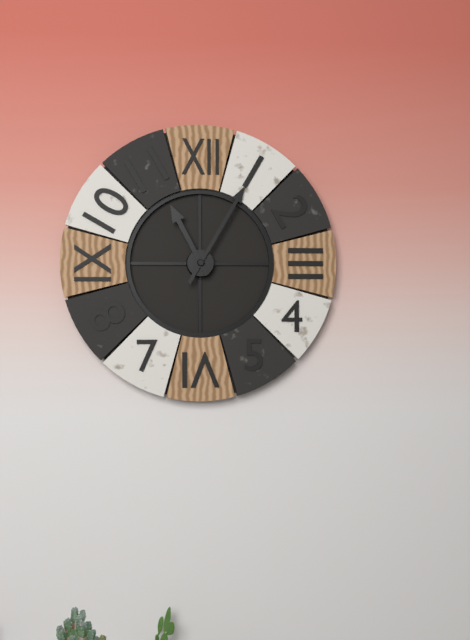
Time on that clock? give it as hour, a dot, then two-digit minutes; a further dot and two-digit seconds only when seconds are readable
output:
11.05
